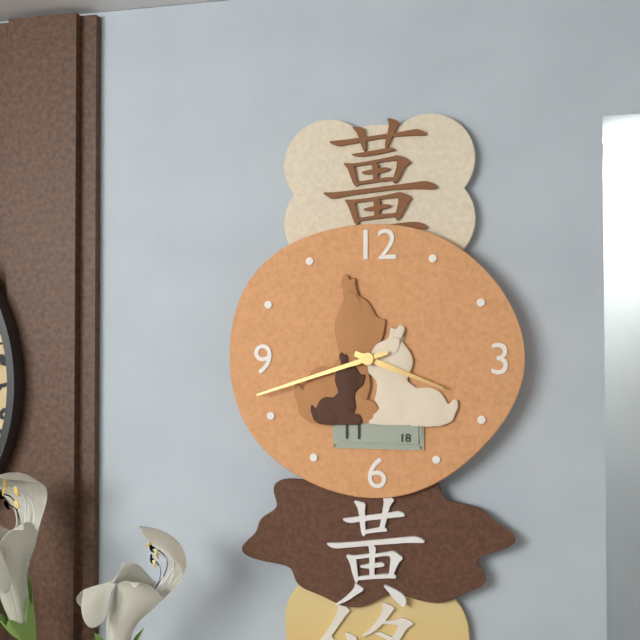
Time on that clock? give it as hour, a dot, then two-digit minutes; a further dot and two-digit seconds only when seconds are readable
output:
3.42
